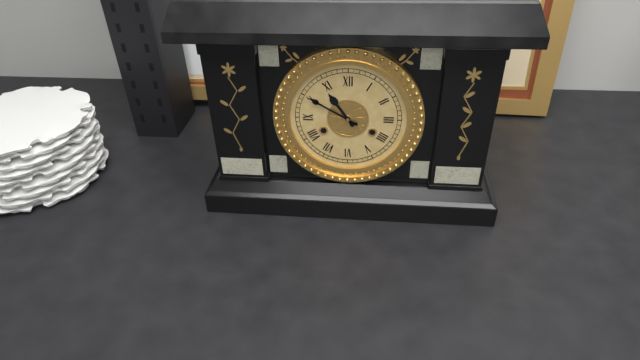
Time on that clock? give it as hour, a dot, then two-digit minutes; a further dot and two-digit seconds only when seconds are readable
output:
10.50
